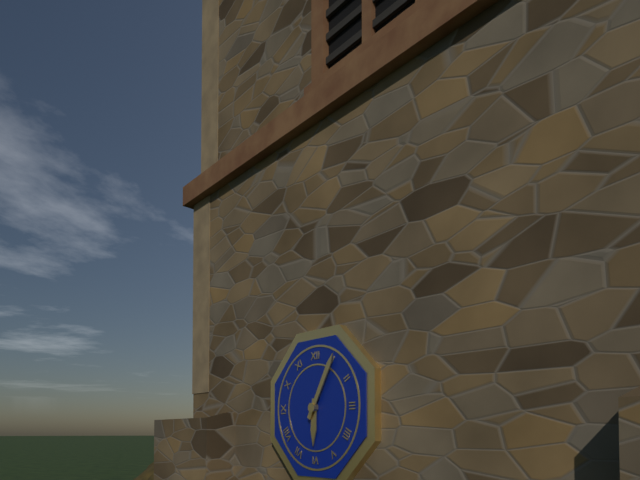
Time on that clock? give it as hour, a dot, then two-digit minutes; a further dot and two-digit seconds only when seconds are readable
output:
6.05
